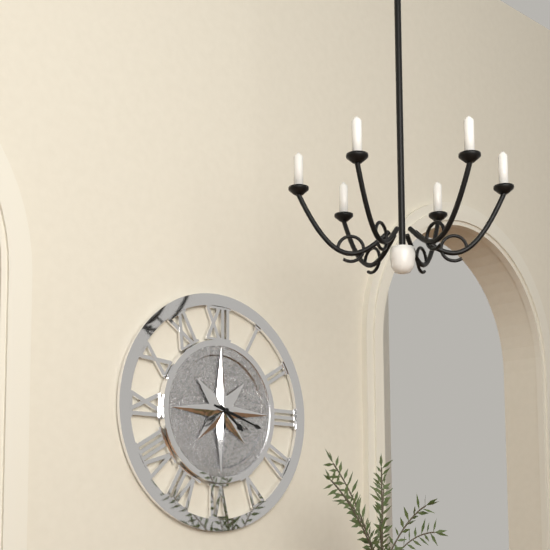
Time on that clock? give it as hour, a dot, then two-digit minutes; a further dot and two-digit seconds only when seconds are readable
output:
4.18
